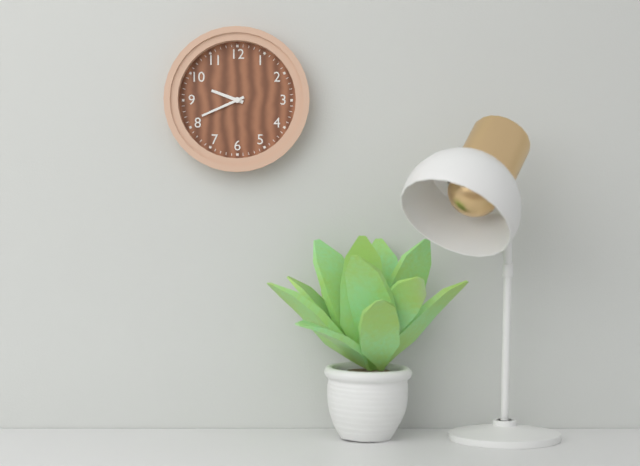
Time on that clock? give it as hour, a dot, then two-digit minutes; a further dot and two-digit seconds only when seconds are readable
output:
9.41
